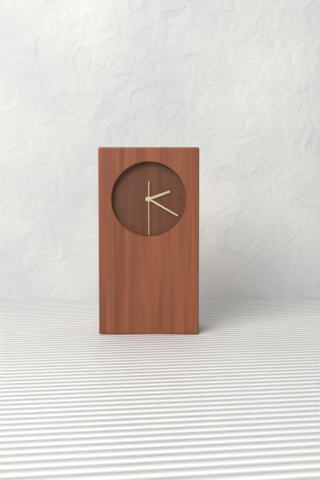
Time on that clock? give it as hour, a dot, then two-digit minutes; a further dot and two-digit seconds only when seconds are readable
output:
2.20
